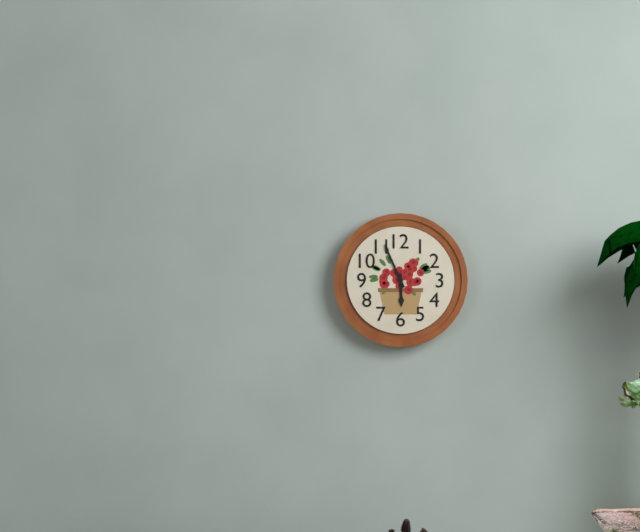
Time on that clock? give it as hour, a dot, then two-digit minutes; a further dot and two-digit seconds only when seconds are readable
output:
5.56
